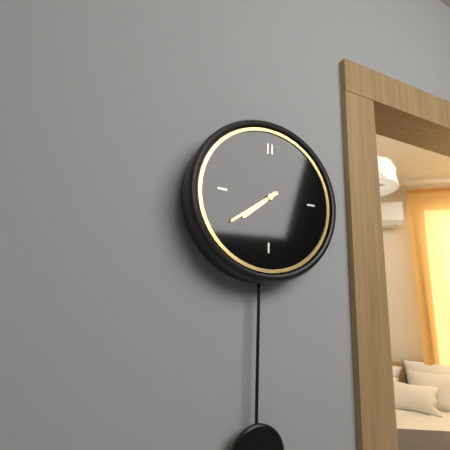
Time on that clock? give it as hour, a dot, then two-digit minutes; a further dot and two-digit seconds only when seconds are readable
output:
7.39
